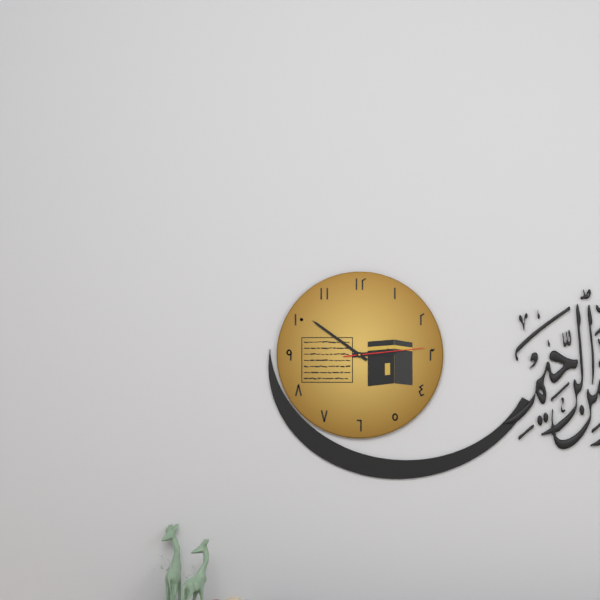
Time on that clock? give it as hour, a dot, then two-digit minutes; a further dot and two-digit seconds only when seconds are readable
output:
2.51.14
